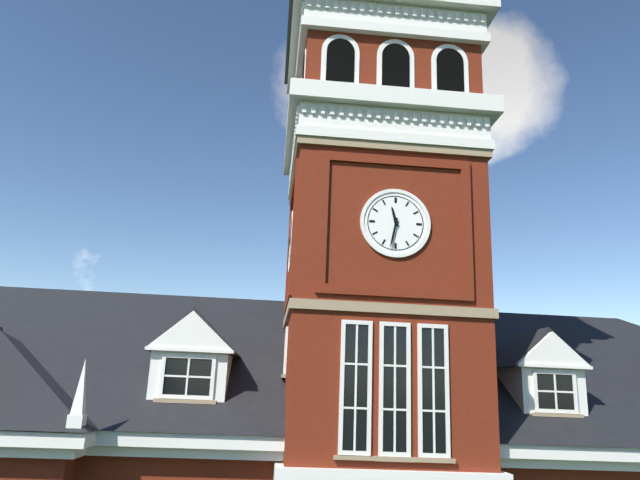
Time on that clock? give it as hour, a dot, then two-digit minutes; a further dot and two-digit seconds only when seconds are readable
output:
11.32
